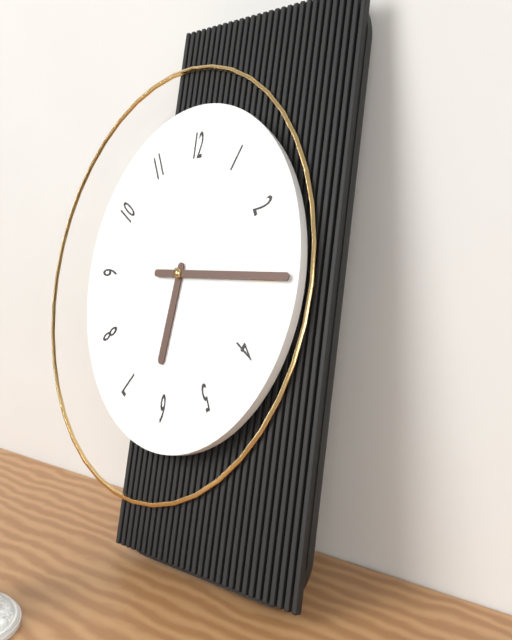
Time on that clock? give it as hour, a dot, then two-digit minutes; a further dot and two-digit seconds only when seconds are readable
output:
6.15
